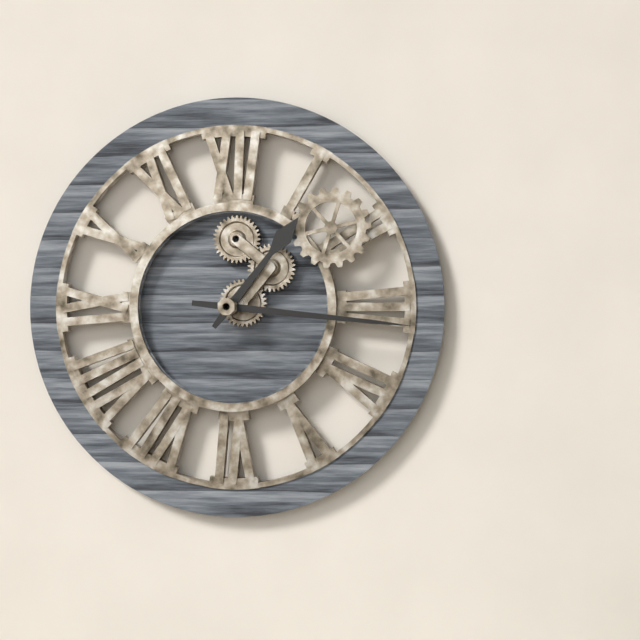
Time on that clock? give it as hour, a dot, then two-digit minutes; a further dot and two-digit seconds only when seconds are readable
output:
1.16
